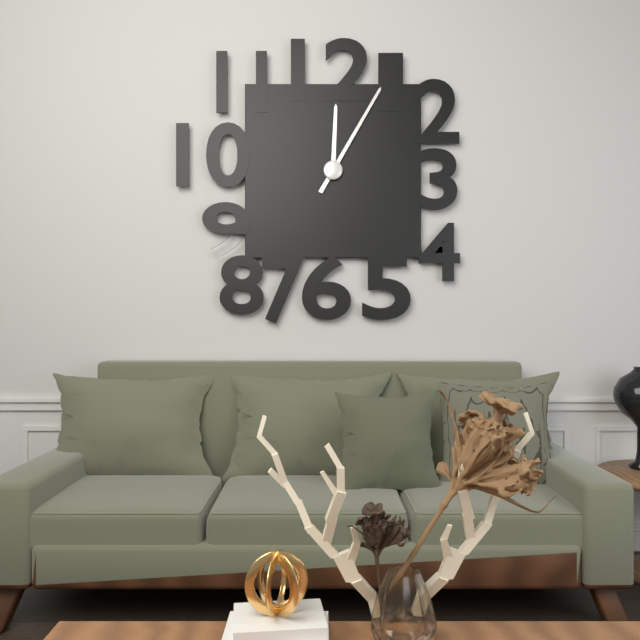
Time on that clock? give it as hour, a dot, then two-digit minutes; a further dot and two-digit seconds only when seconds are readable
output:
12.05
